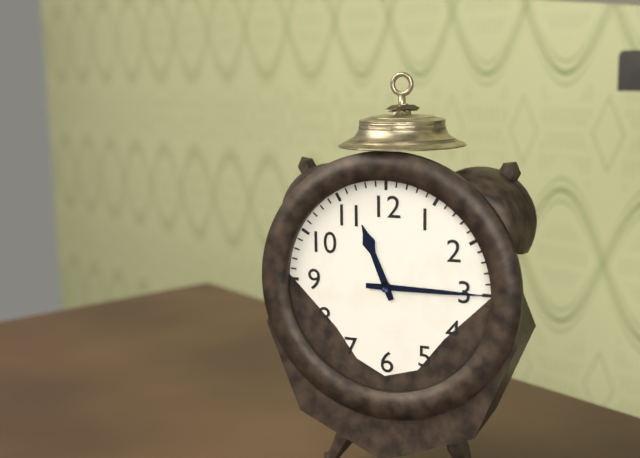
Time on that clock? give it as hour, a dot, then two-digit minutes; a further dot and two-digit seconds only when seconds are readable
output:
11.15
